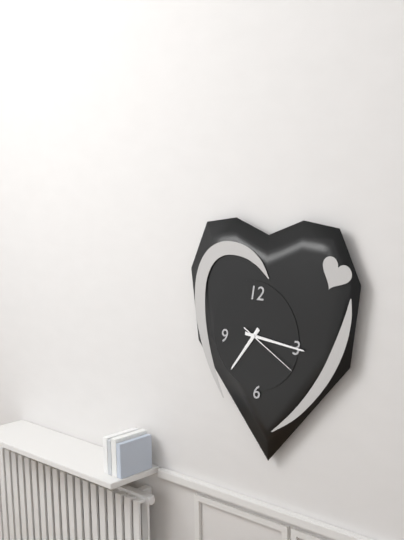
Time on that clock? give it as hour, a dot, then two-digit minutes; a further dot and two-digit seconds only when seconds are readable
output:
7.16.20
